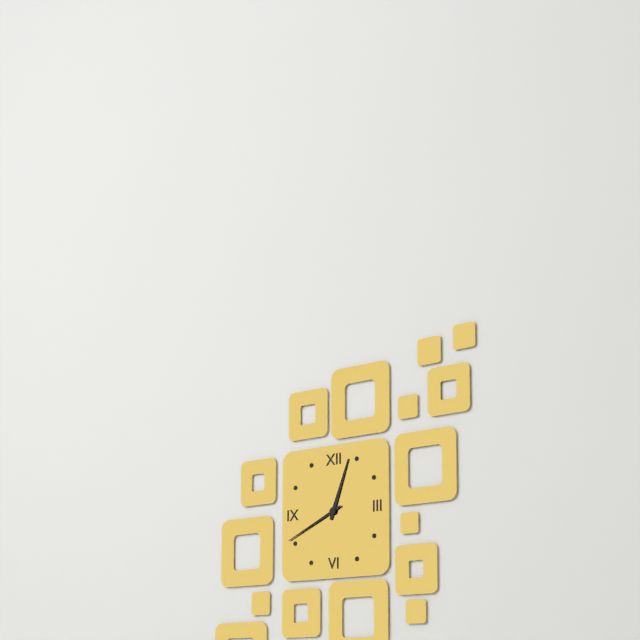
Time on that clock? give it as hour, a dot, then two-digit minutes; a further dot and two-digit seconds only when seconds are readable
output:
12.41
